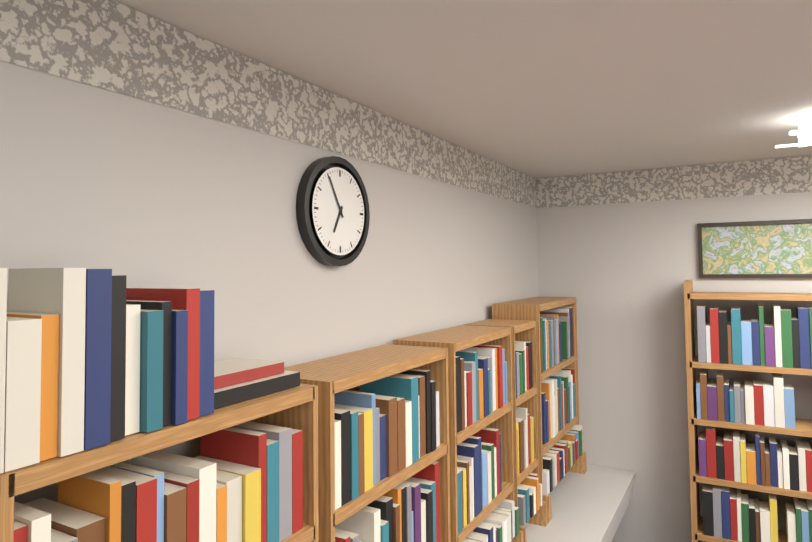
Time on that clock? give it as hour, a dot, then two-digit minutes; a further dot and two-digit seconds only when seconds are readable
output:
6.55
